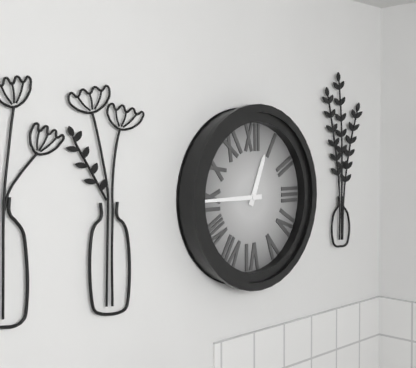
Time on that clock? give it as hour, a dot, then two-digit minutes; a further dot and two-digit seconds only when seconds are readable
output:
12.45
